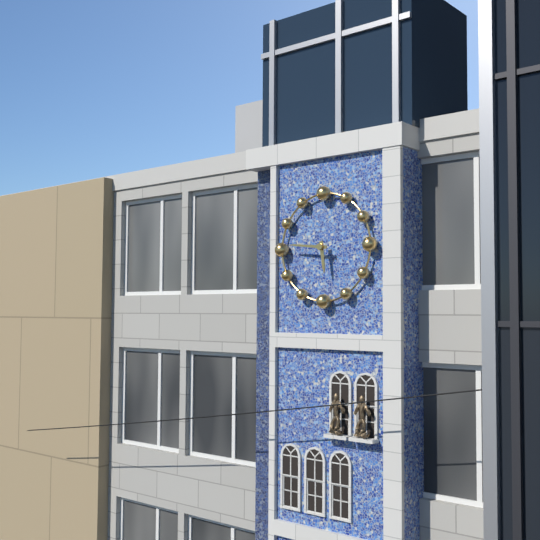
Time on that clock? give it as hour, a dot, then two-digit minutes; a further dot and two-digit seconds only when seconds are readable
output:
5.46
